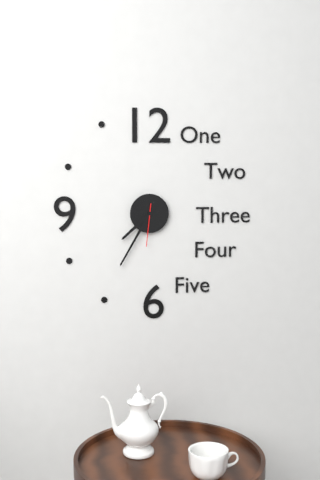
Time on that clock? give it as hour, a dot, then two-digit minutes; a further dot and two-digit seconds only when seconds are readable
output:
7.35
